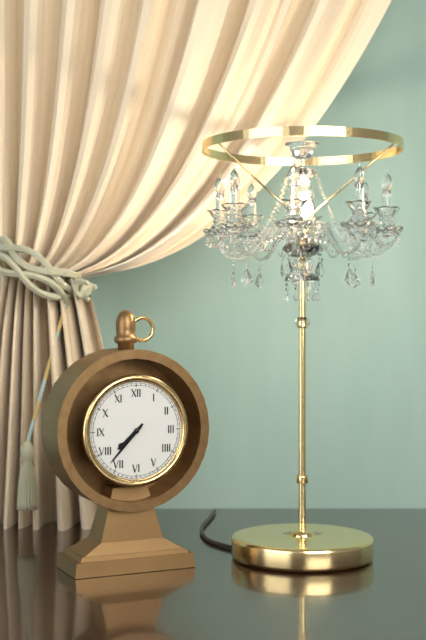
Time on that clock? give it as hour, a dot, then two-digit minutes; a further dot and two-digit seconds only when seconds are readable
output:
7.37
